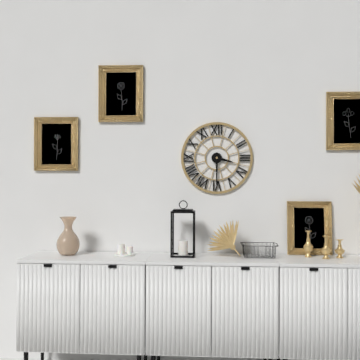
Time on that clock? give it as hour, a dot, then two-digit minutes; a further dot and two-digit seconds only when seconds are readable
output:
3.30
